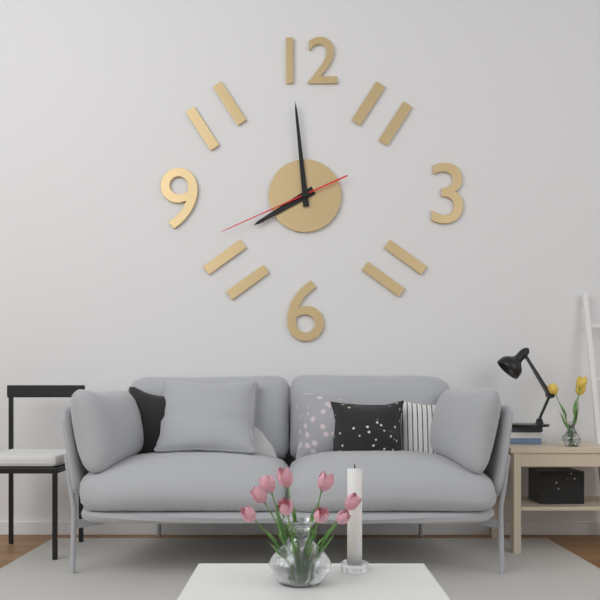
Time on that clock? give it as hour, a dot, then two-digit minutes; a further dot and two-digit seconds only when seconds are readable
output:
7.59.41
